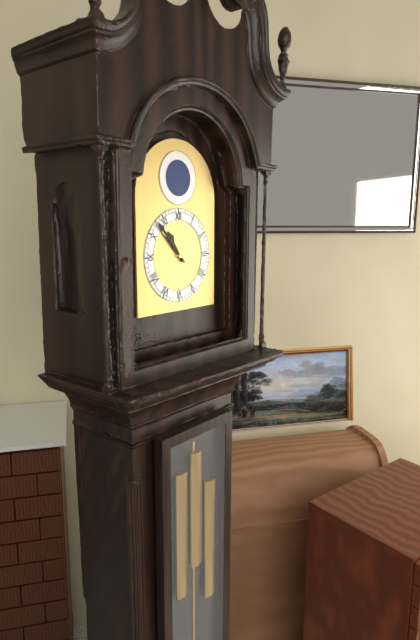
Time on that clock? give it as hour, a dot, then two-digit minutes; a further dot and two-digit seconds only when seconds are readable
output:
10.53
